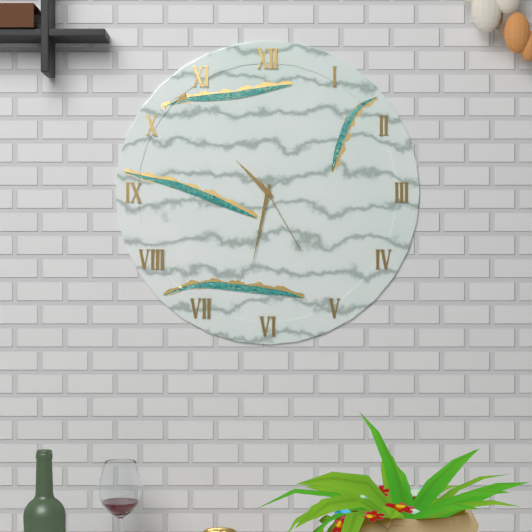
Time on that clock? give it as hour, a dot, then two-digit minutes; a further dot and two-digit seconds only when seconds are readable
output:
10.32.25
